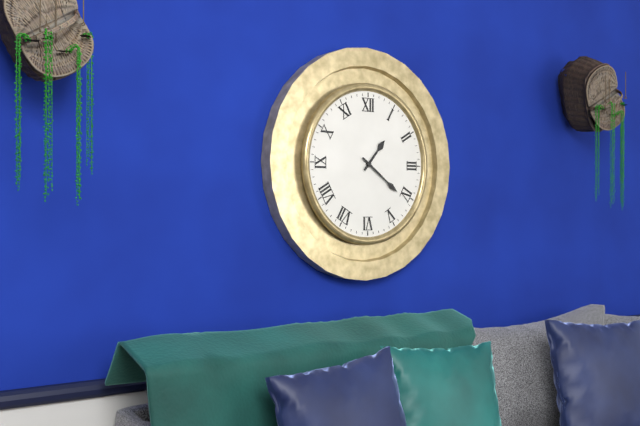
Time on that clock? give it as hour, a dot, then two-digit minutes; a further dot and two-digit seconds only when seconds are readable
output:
1.21
